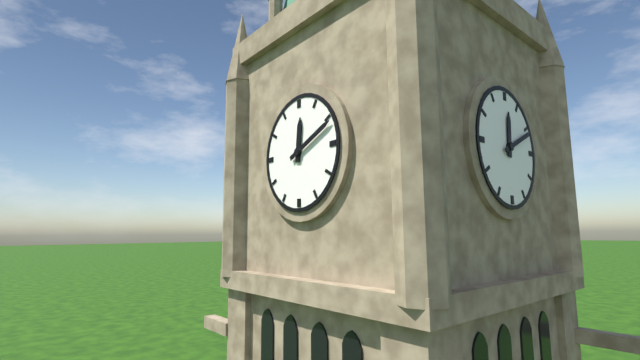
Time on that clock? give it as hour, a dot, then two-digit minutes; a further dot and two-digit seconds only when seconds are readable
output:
12.11
